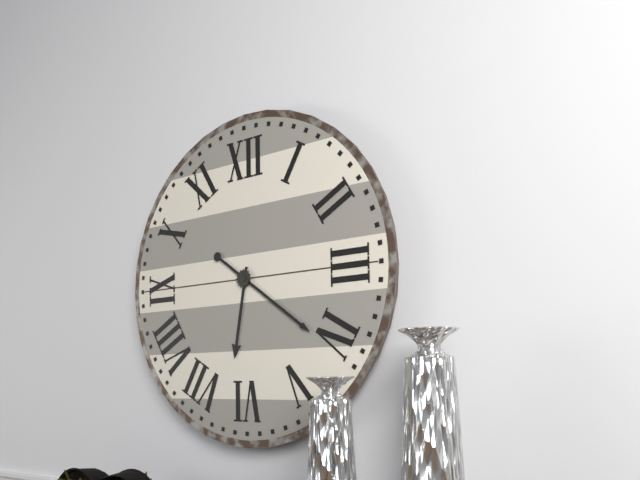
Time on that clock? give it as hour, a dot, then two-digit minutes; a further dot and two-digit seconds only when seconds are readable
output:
6.21
